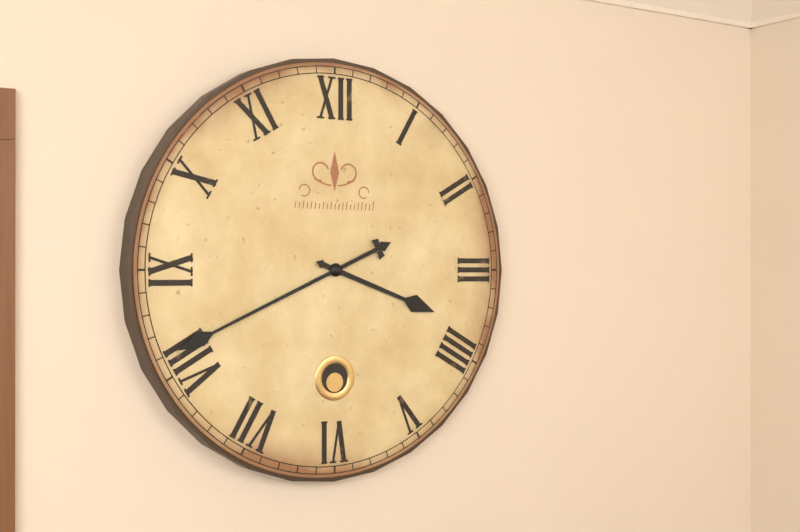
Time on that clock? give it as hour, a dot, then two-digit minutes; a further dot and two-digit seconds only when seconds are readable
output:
3.41
